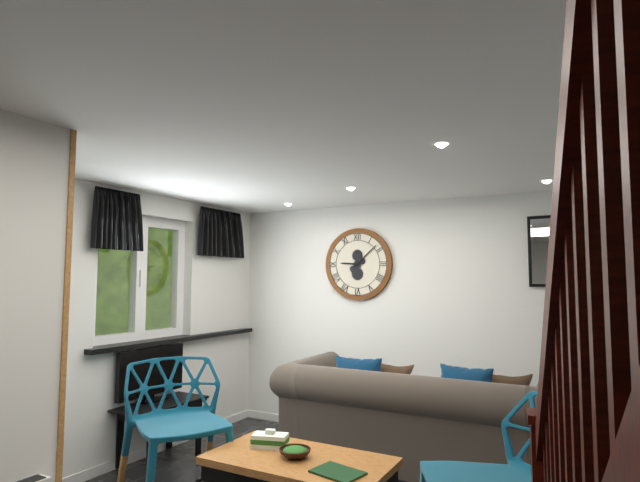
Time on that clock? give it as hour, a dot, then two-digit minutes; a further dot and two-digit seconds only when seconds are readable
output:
9.08
